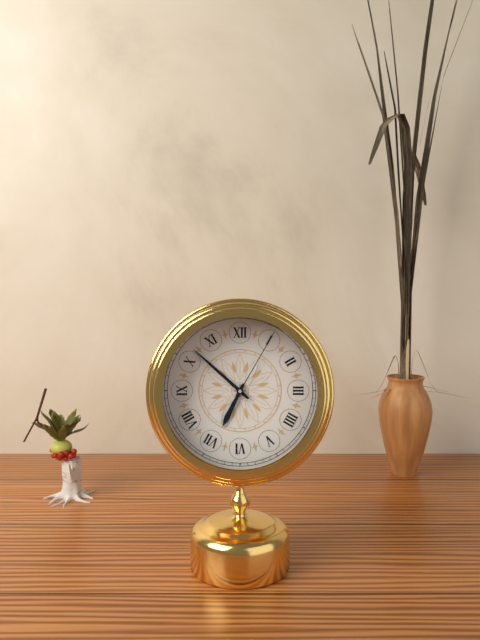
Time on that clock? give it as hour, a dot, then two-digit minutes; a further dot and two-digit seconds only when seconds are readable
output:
6.52.05
